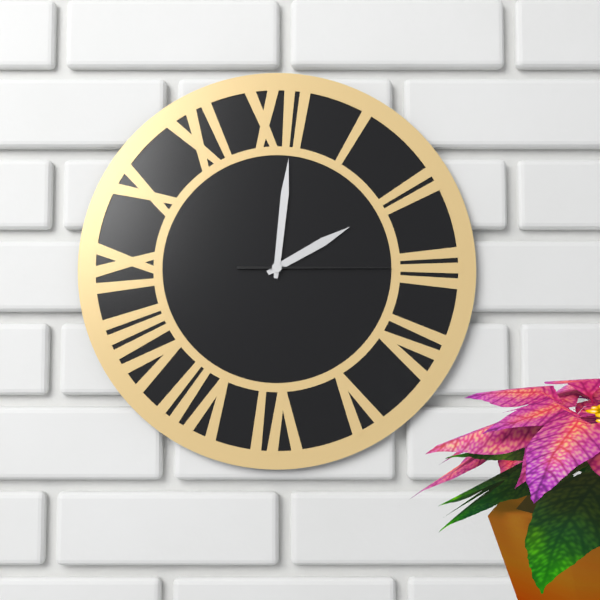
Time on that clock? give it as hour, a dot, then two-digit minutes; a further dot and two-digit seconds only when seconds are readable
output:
2.01.15
